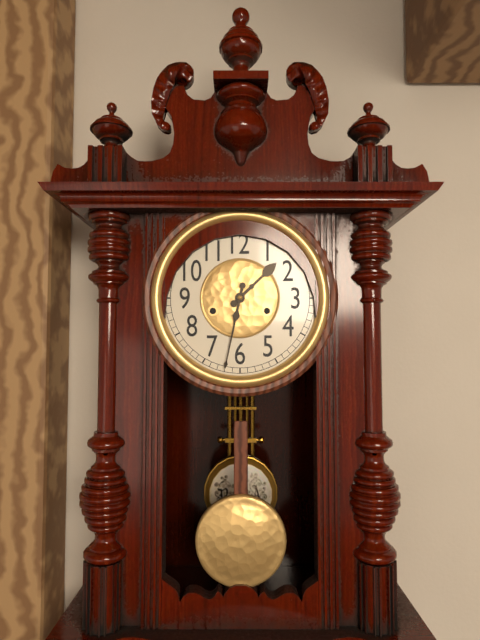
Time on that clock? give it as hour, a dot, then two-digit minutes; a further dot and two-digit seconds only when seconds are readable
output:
1.32
